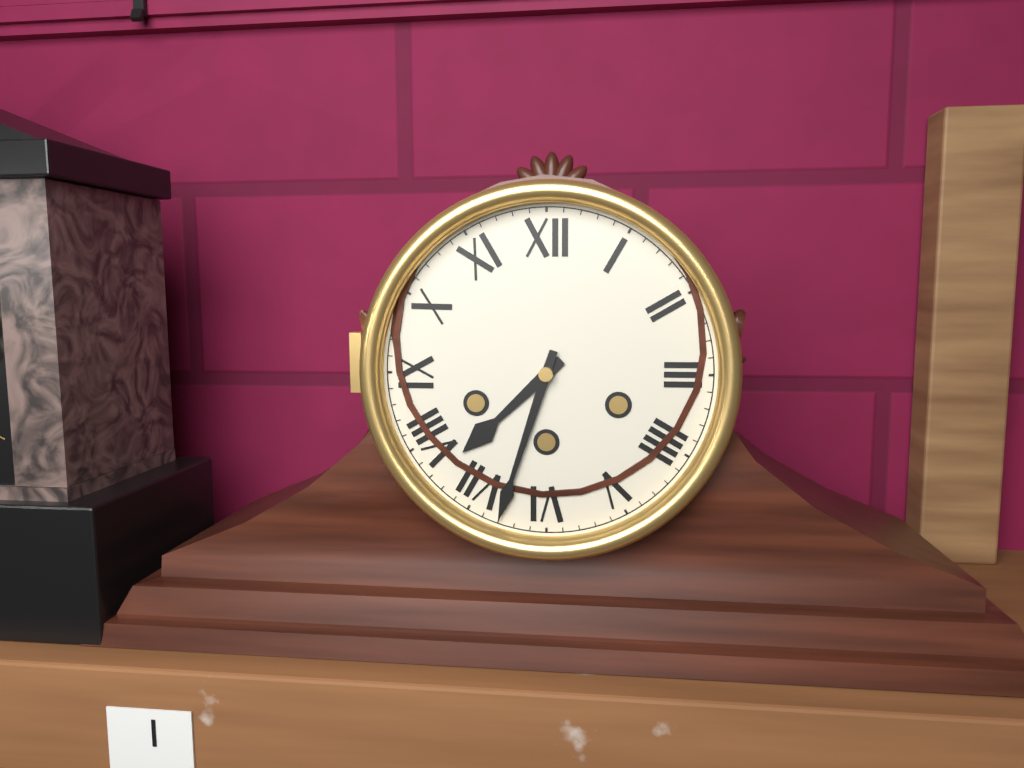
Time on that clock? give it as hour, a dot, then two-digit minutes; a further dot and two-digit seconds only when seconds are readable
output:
7.33
